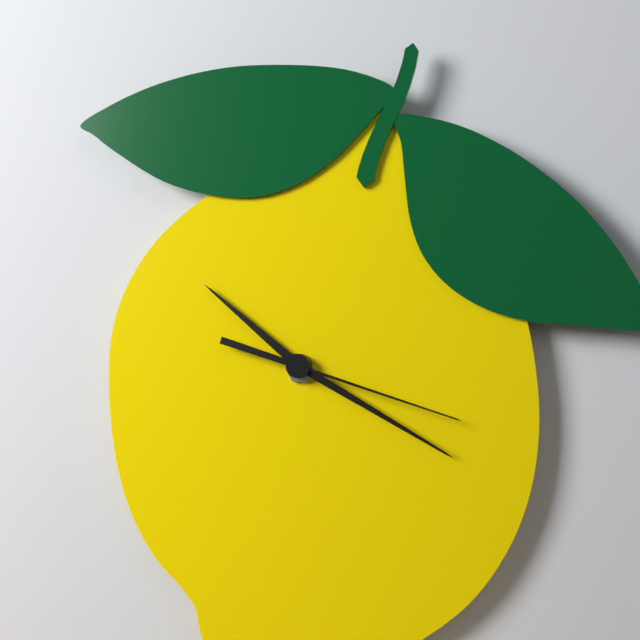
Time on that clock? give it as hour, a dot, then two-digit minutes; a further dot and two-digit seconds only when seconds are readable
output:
10.20.18
